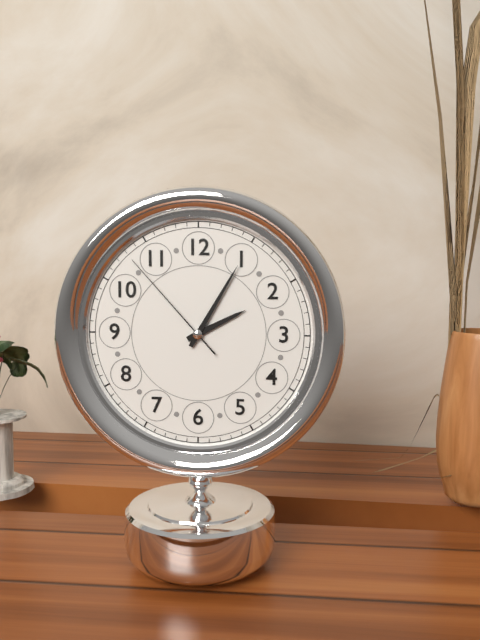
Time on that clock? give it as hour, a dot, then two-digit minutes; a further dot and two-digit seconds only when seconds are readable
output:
2.05.53
